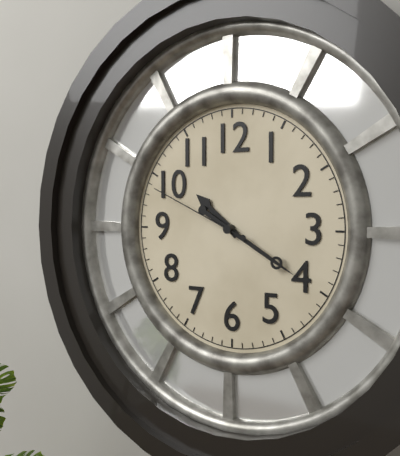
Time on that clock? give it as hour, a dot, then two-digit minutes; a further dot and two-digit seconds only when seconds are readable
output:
10.20.49
